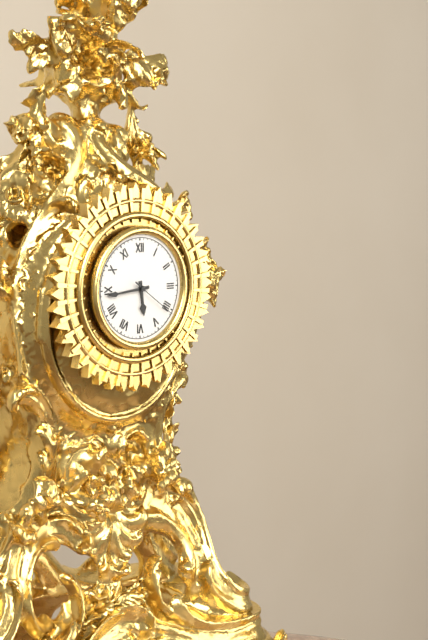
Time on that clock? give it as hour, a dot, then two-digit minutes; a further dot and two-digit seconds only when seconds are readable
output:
5.44.21
